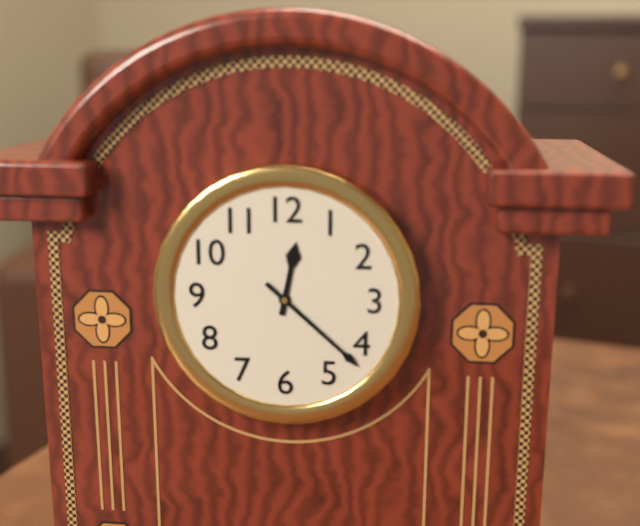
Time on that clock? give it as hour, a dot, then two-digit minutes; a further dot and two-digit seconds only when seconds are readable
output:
12.22
